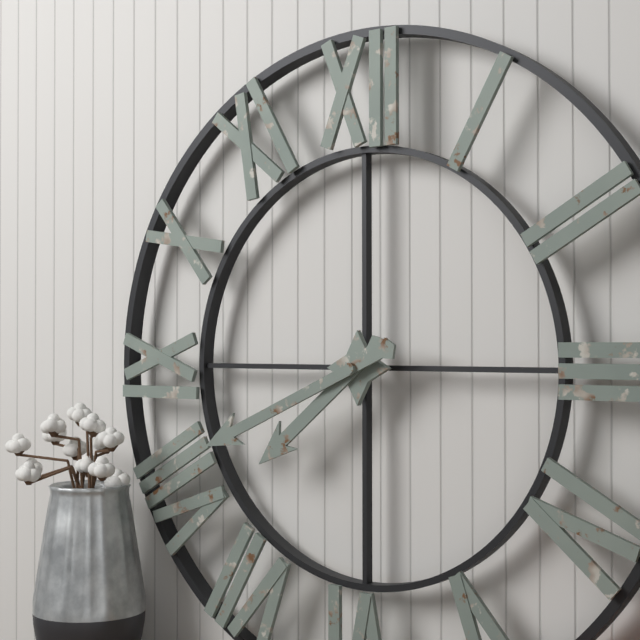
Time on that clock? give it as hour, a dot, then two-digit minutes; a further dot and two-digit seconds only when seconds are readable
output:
7.41
